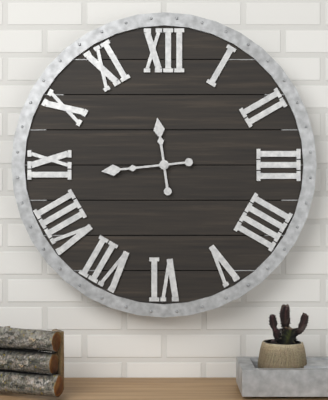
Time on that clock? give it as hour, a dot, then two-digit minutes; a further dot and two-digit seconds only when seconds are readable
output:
11.44
